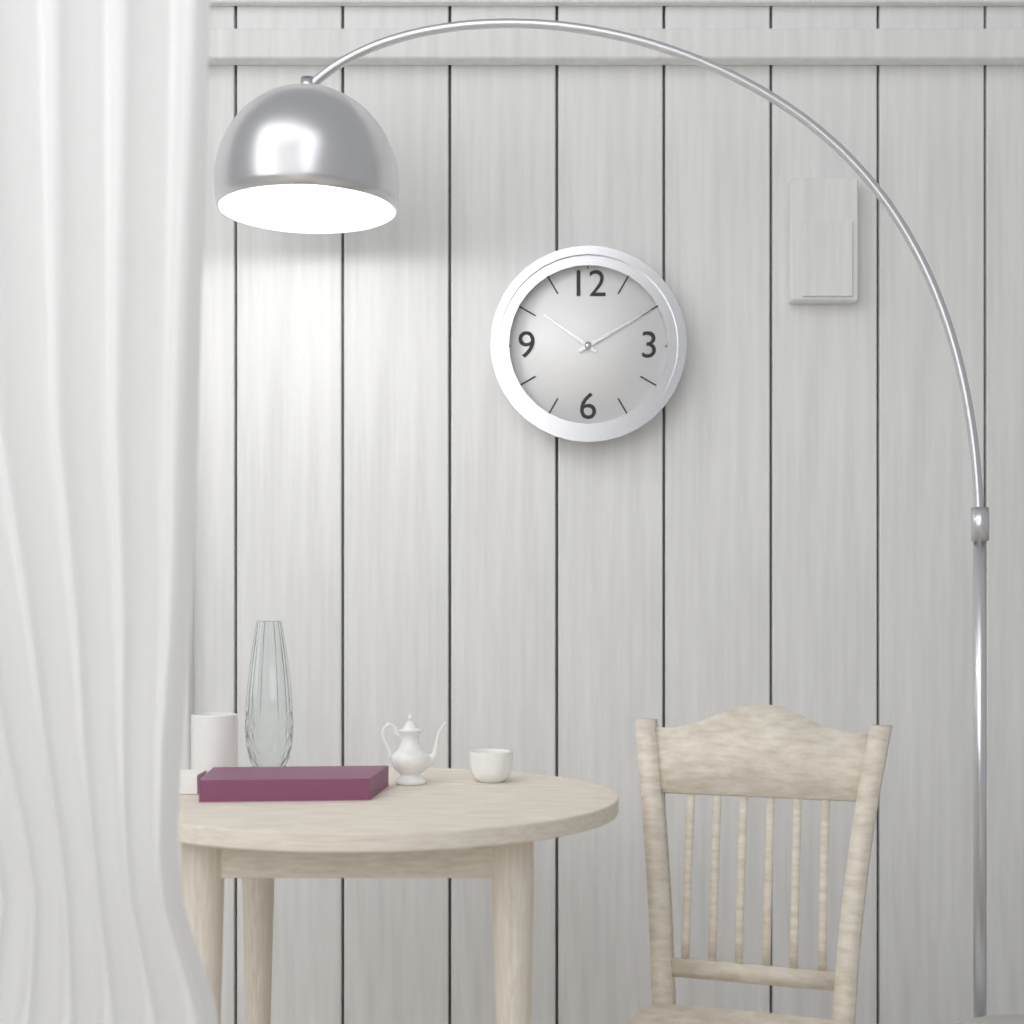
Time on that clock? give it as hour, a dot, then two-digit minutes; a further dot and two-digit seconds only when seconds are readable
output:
10.10
